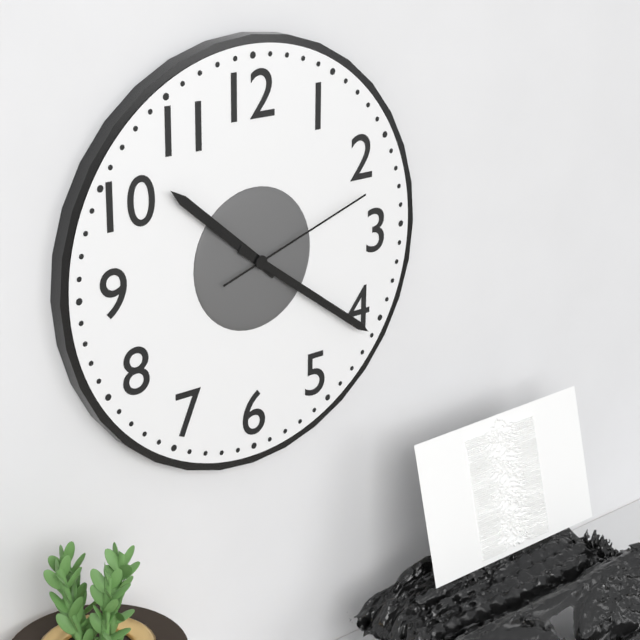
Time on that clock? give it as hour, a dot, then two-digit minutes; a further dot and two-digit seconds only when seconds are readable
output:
10.21.12
